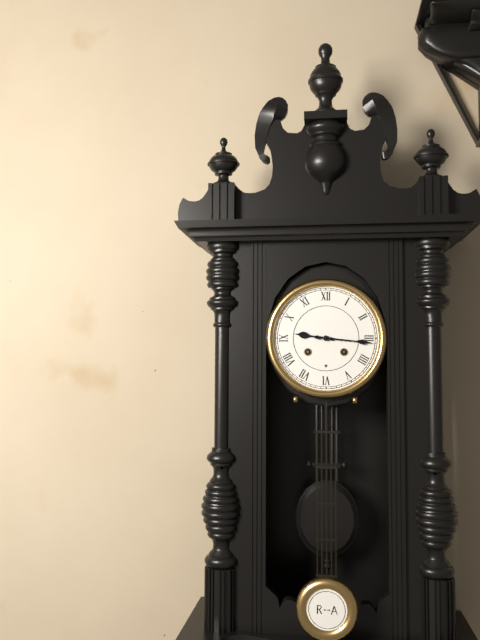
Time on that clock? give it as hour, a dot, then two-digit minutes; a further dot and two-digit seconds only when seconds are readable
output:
9.16
